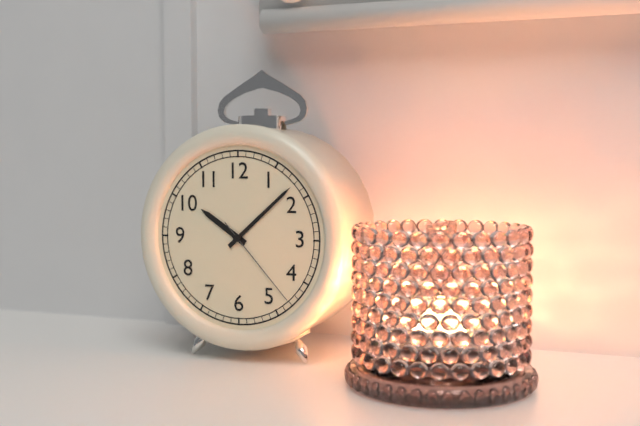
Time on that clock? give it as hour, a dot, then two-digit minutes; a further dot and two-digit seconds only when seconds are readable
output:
10.08.23
